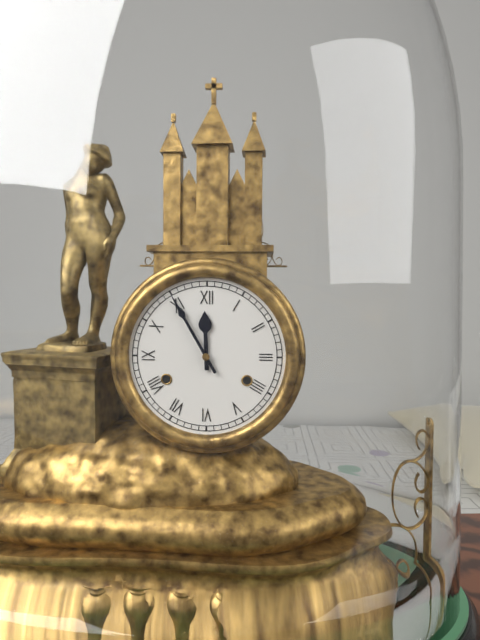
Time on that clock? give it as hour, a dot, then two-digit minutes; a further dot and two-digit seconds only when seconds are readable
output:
11.55
